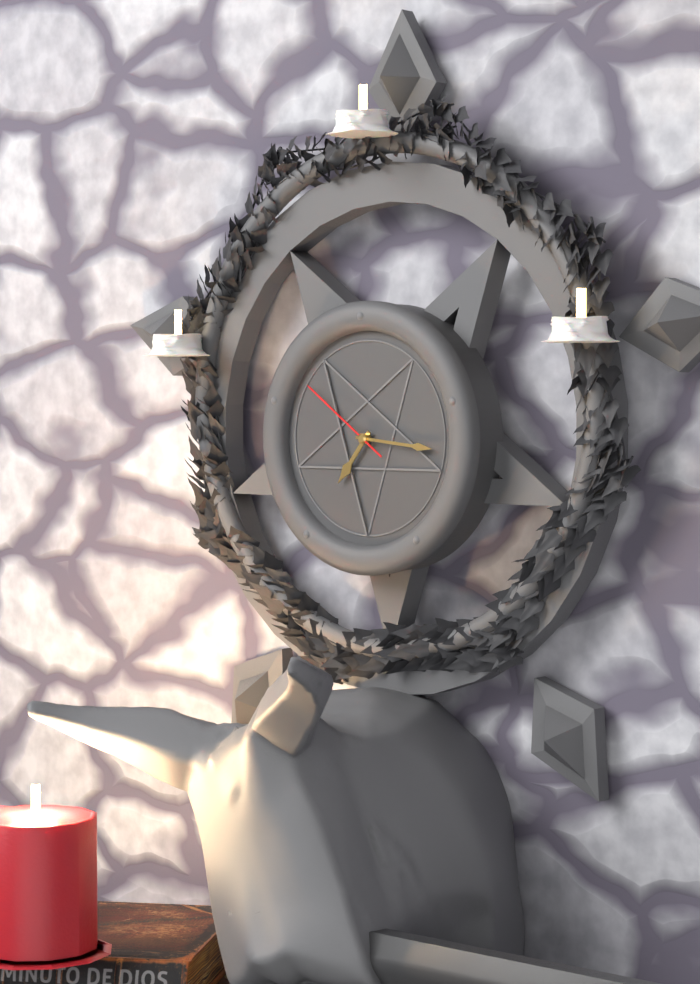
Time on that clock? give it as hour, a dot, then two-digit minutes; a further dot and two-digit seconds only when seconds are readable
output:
7.16.51
